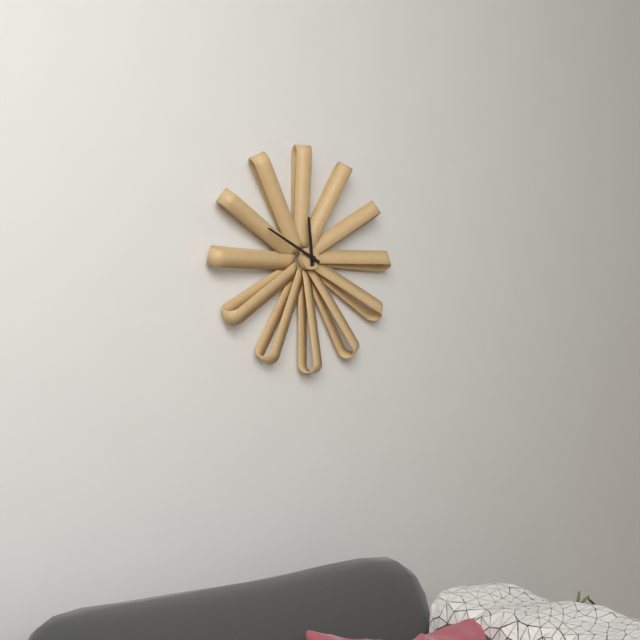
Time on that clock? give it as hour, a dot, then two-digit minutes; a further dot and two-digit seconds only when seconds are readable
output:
11.49
